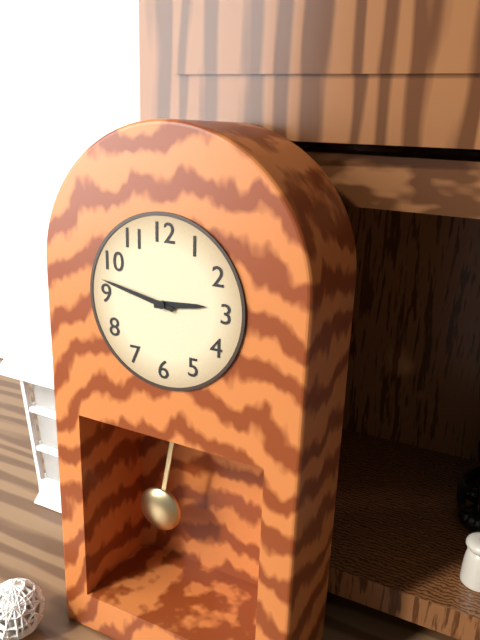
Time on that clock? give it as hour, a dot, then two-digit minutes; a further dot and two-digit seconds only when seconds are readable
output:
2.47
